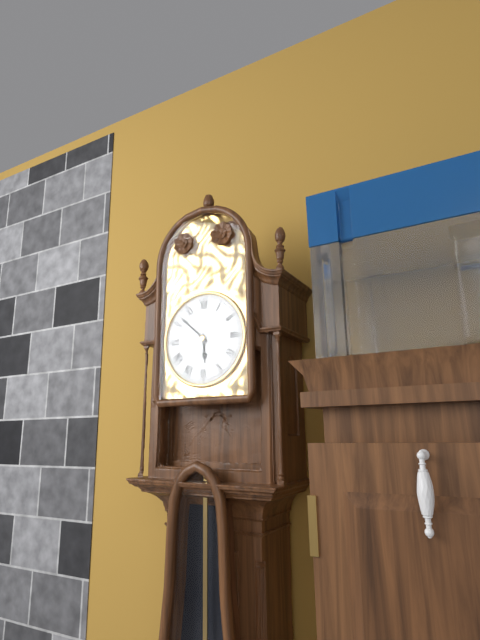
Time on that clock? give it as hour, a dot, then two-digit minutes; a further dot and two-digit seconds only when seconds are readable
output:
5.52
